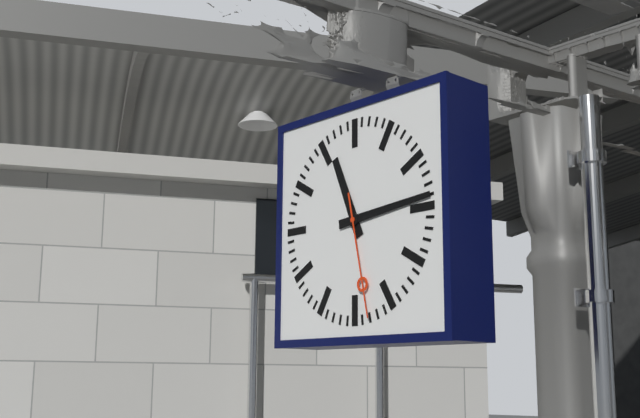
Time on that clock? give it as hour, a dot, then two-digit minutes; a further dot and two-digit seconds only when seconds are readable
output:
11.14.28
